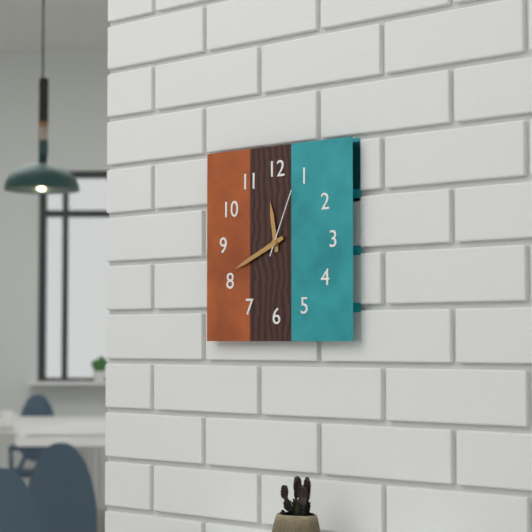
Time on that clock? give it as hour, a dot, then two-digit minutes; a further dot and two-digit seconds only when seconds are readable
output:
11.41.04
